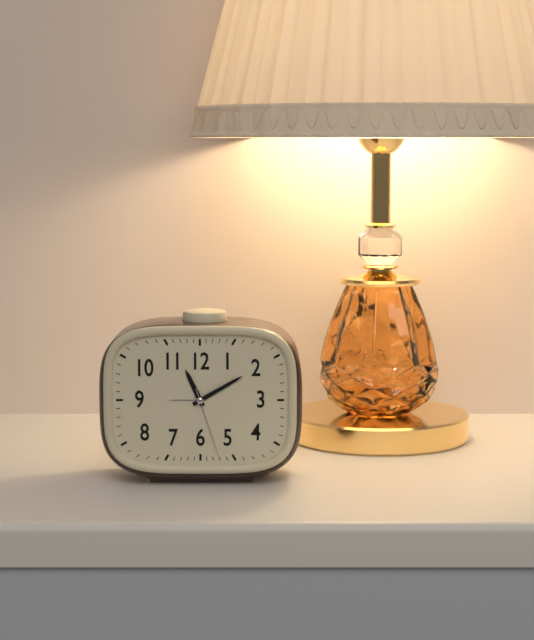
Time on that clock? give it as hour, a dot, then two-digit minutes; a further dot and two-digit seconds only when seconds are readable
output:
11.10.27
